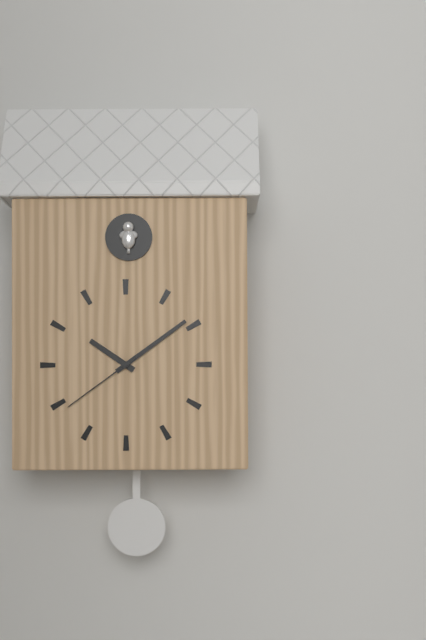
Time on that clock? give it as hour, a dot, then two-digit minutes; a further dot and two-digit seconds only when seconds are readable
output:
10.09.39
